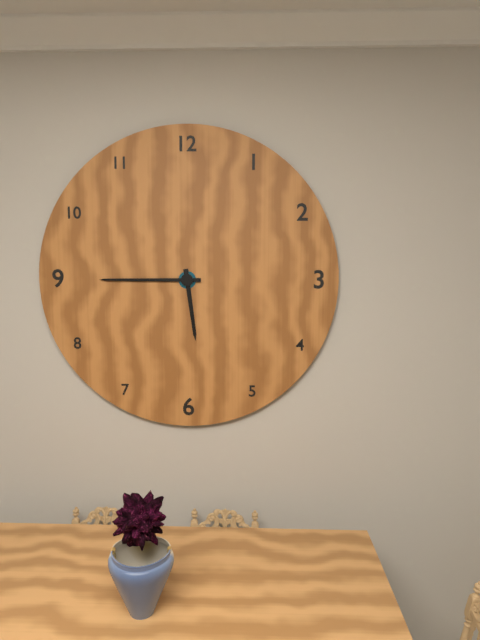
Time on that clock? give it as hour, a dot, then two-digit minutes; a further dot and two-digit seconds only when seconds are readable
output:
5.45
